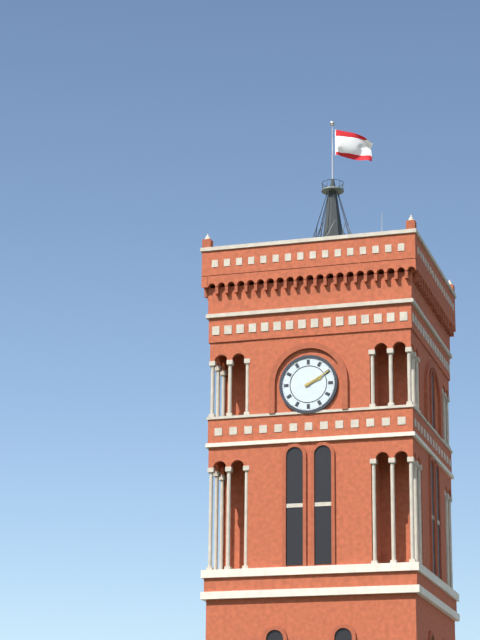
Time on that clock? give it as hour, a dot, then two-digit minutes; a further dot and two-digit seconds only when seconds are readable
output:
2.10
